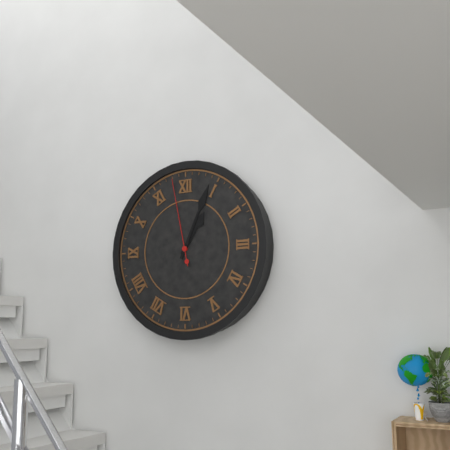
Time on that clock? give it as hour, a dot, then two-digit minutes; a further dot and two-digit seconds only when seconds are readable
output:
1.04.58
